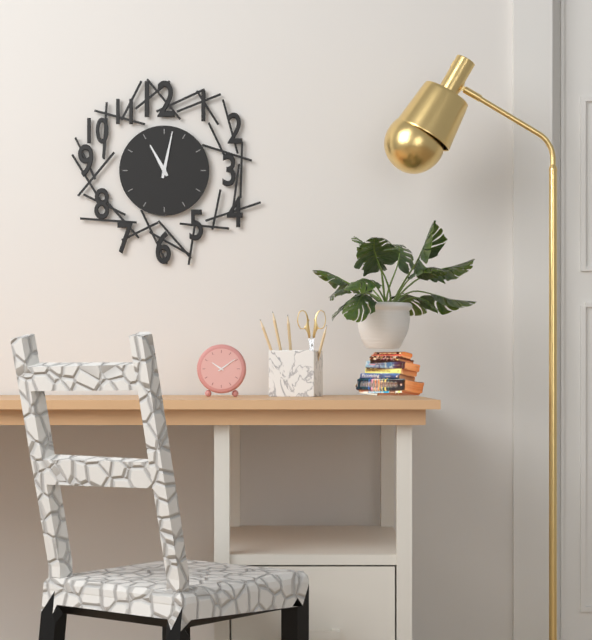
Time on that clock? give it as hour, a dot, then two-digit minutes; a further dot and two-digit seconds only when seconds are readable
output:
11.02
